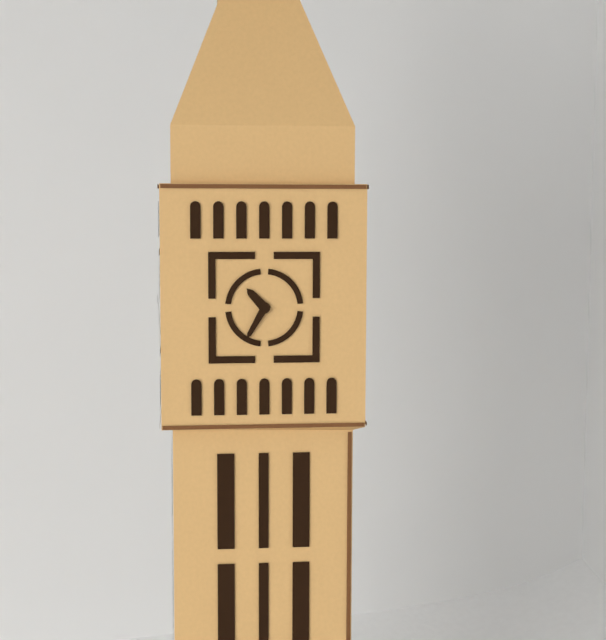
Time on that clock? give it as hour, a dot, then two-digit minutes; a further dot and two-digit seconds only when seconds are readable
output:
10.35
